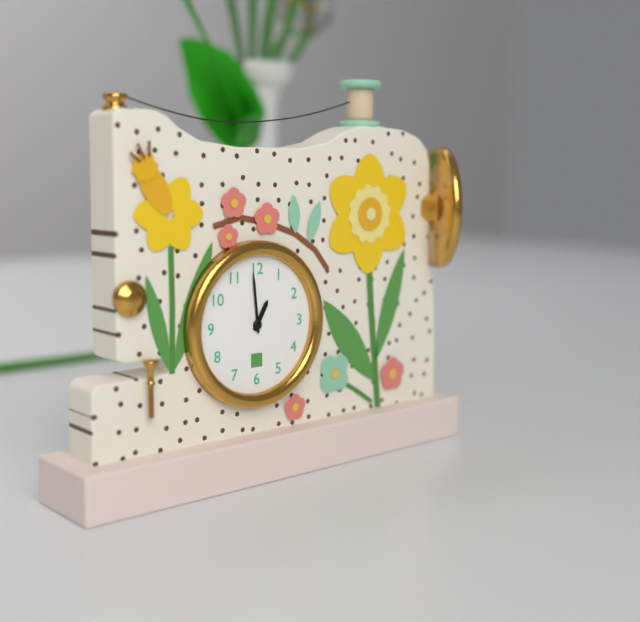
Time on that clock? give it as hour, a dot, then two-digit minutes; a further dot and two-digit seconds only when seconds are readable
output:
12.59
